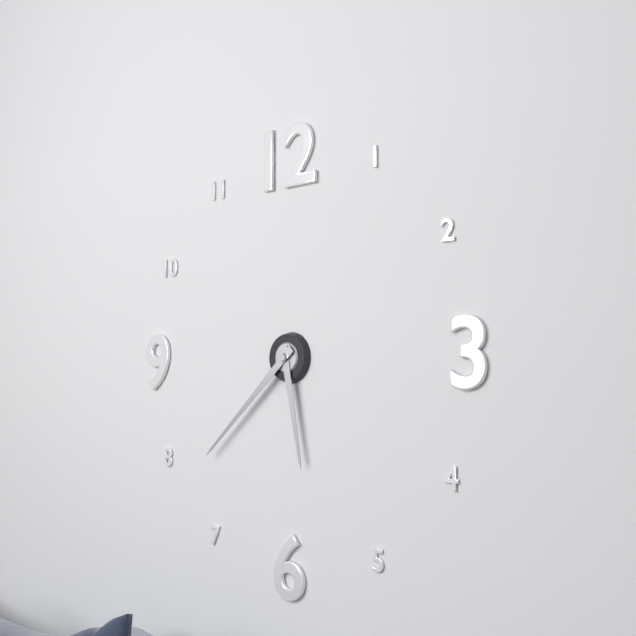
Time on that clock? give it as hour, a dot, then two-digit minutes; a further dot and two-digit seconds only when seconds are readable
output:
5.38
